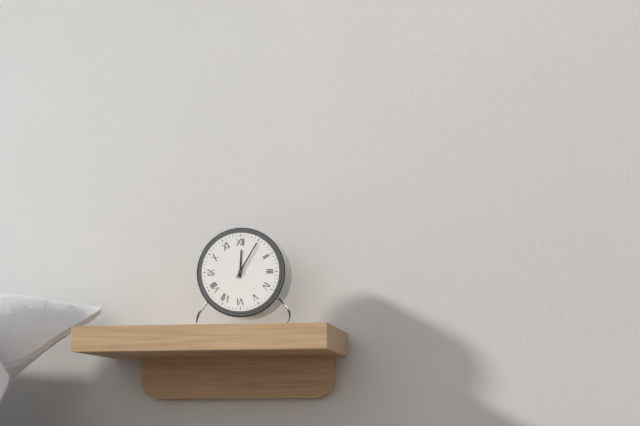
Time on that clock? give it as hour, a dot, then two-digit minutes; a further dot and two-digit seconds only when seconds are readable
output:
12.05
